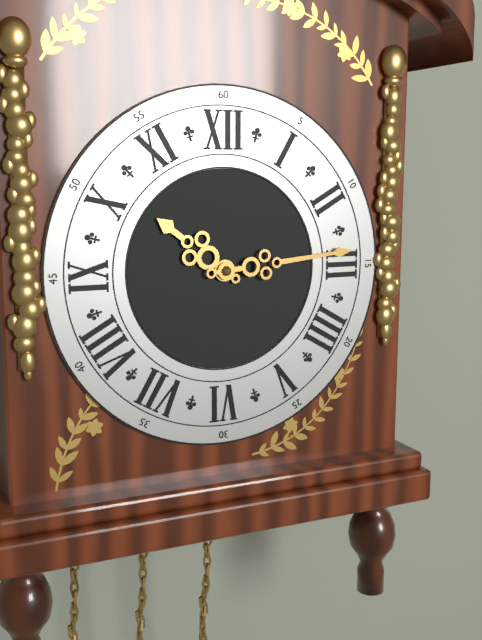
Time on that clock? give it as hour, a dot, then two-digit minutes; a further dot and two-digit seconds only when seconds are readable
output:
10.14
